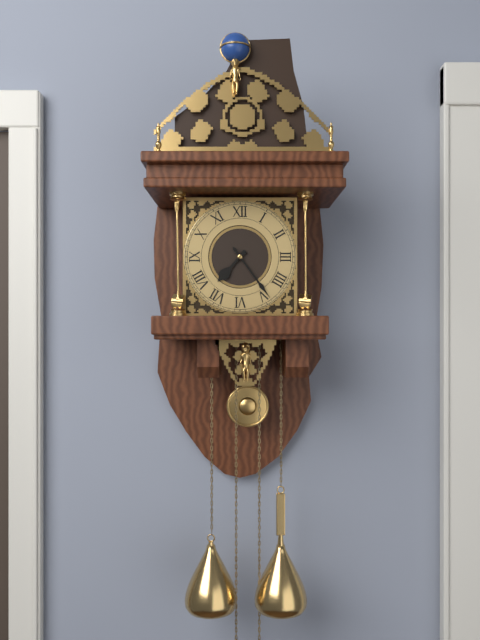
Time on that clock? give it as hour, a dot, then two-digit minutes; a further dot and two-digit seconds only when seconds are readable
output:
7.24
